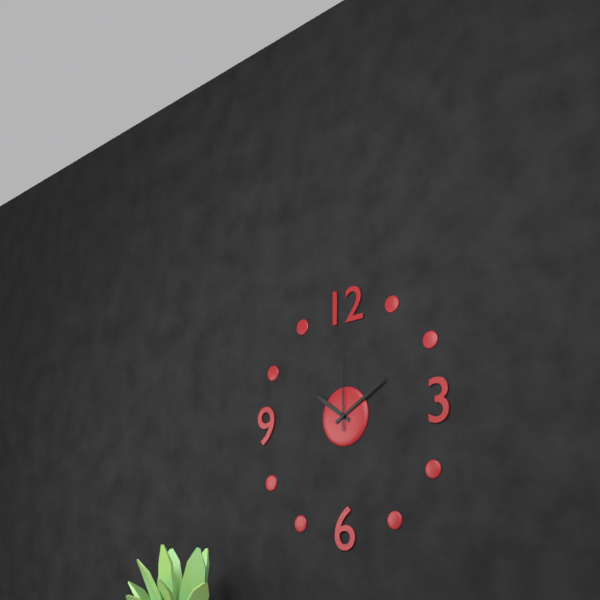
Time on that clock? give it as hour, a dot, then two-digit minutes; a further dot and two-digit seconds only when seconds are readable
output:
10.10.00
